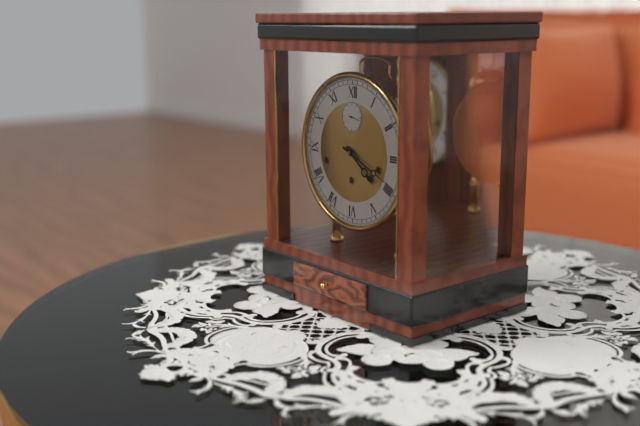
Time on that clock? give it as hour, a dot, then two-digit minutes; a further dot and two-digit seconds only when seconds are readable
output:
4.19
